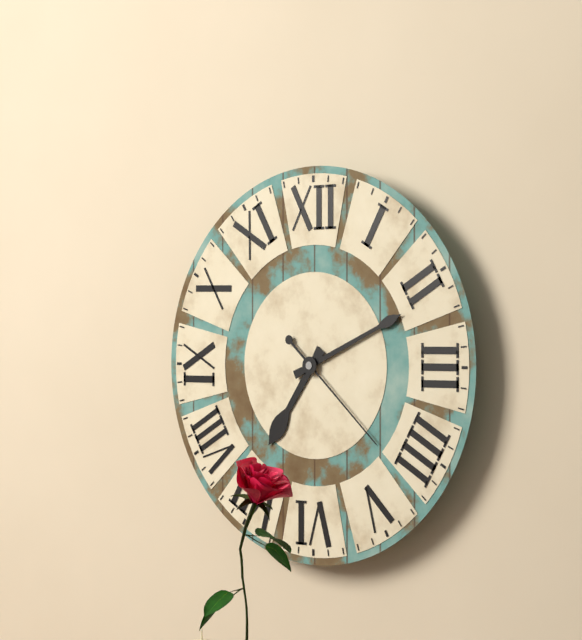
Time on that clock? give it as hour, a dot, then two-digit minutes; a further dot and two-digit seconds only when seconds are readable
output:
7.11.22
